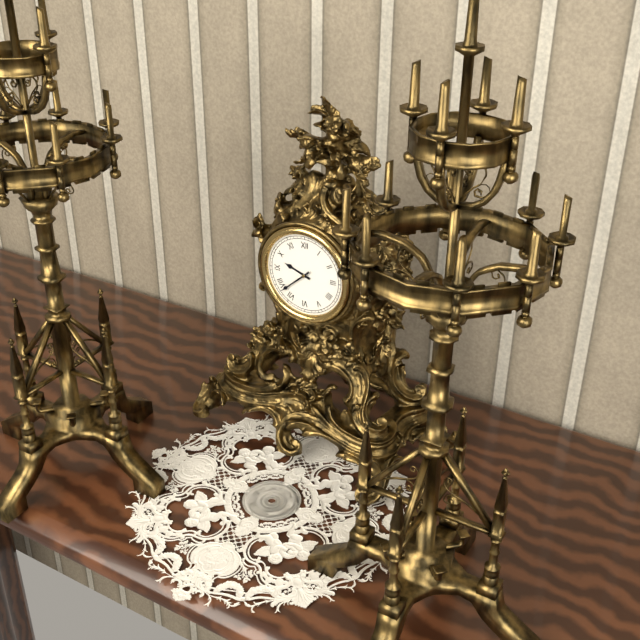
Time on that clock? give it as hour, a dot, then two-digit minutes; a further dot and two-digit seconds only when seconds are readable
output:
9.38
